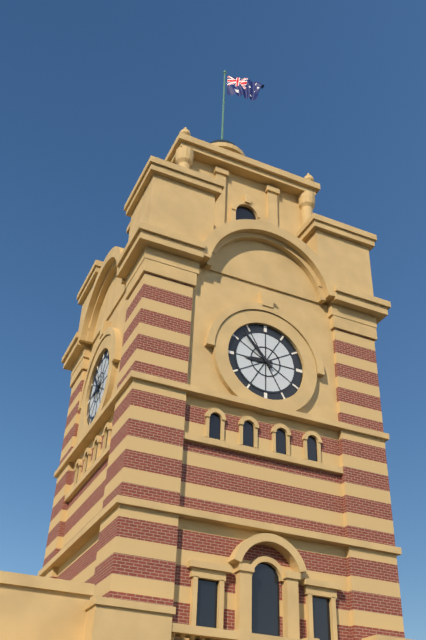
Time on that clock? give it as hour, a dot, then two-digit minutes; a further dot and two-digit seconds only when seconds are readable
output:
8.53
